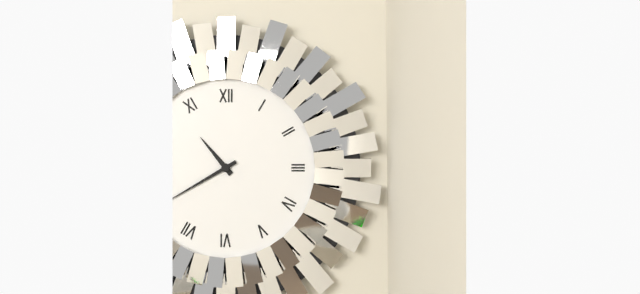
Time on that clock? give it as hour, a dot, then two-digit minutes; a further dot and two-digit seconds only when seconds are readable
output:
10.40
